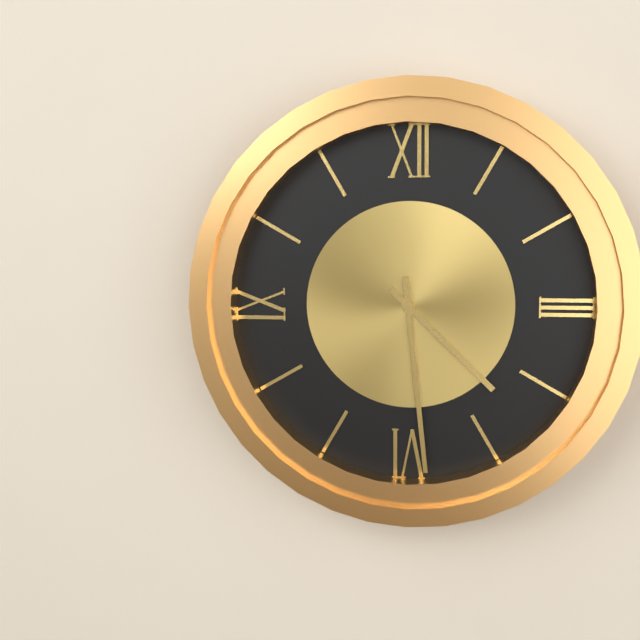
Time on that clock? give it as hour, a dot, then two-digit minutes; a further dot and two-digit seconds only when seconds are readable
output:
4.29
